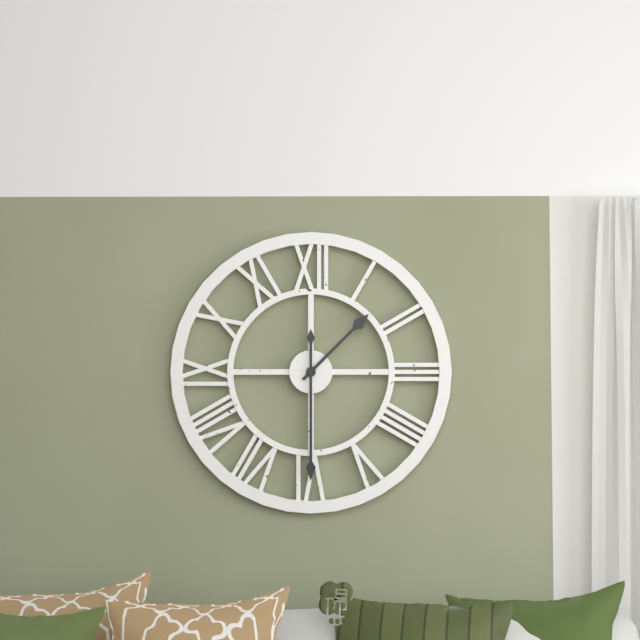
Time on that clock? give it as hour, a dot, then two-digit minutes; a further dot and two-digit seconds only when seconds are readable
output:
1.30
